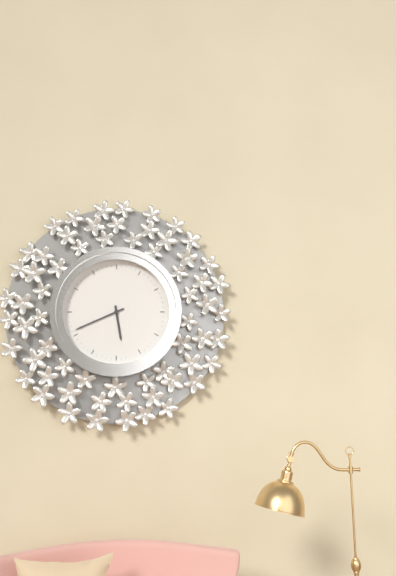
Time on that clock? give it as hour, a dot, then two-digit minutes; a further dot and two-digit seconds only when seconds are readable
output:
5.41
